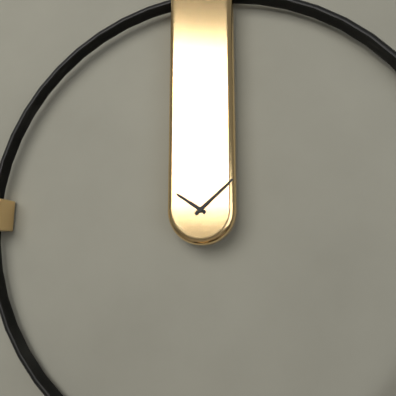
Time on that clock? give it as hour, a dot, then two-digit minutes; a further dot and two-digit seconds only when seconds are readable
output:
10.08
